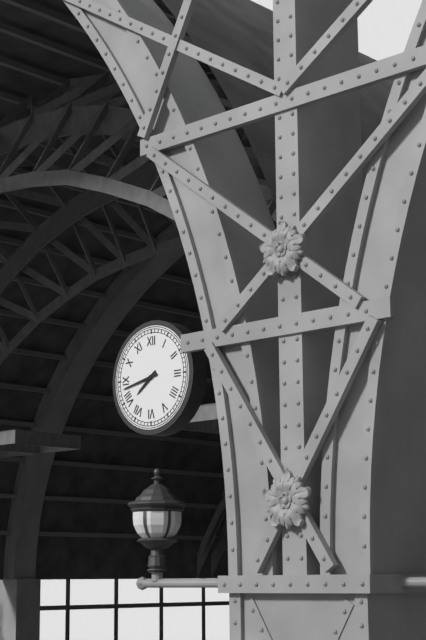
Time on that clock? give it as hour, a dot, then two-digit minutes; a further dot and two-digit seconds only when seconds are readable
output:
7.43
